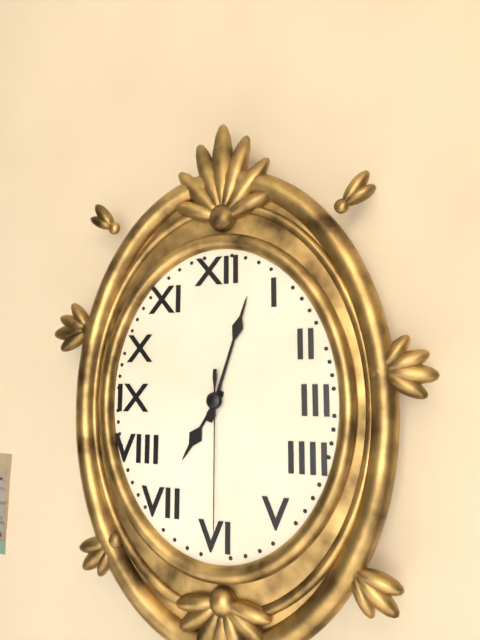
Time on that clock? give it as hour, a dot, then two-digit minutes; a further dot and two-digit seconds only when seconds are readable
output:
7.03.30
